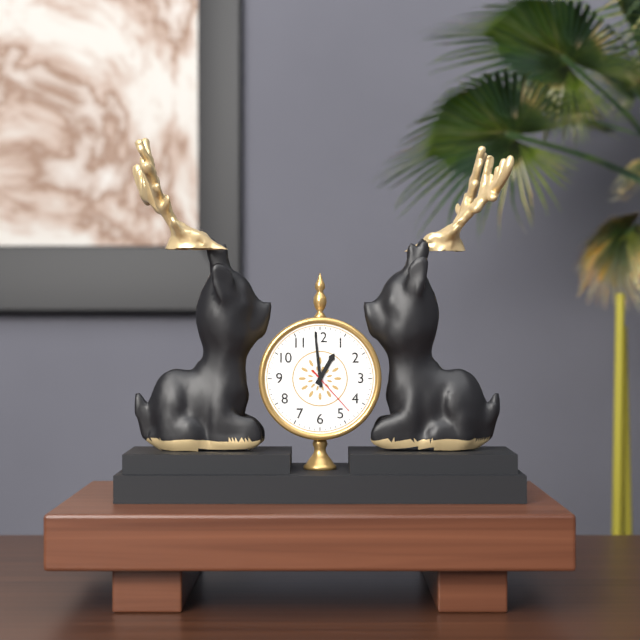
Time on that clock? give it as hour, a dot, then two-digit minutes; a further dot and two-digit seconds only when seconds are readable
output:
12.59.23
